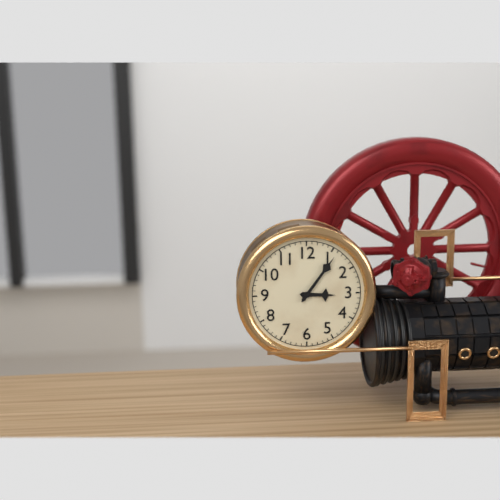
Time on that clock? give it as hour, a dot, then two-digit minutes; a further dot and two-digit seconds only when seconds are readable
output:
3.06
